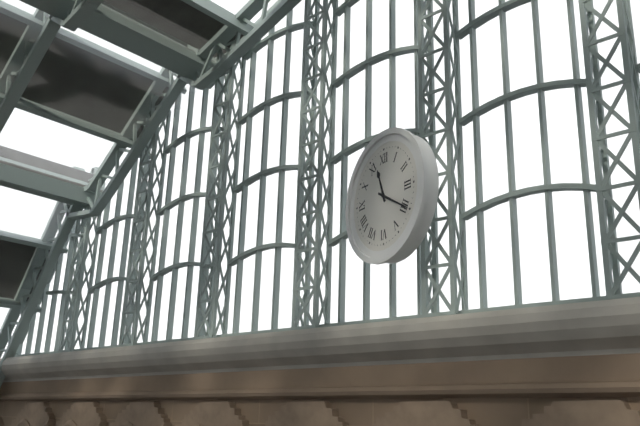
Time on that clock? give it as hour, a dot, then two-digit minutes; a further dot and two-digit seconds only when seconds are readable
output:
11.20
